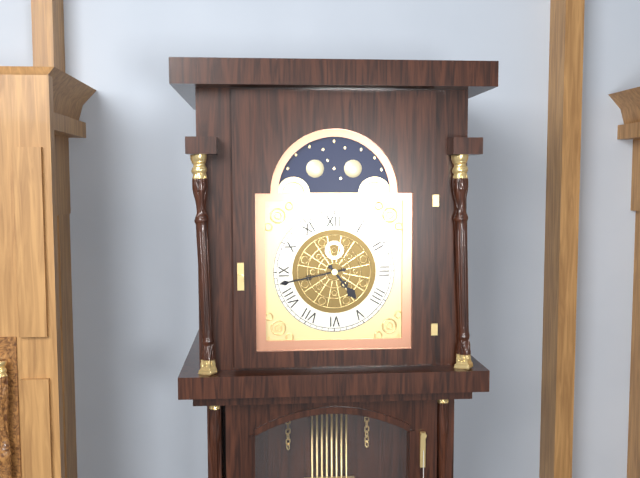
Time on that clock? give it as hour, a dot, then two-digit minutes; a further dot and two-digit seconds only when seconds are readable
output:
4.43
